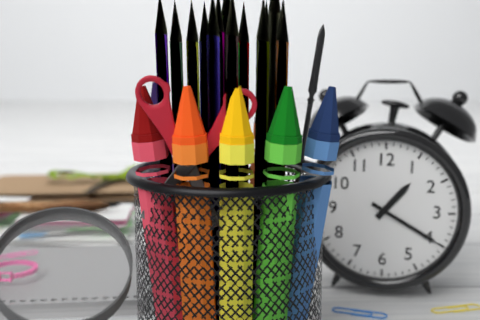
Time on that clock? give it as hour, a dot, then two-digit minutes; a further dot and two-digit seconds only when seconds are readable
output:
1.20
